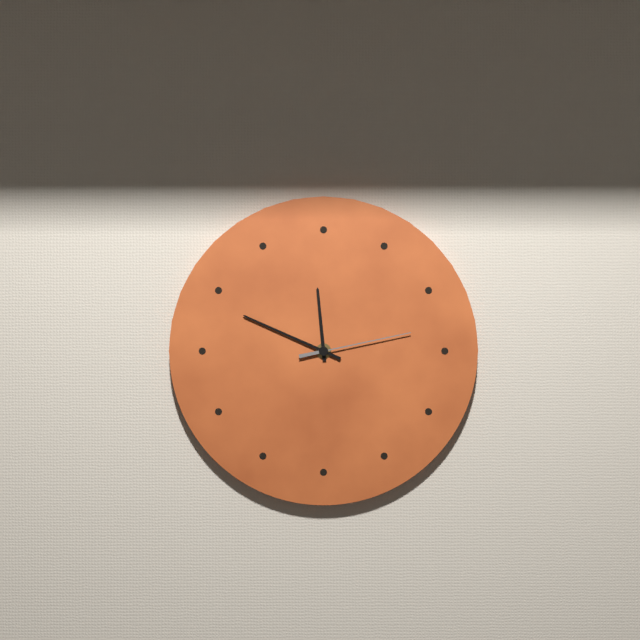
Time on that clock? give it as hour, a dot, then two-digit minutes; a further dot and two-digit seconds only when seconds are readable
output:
11.49.13
